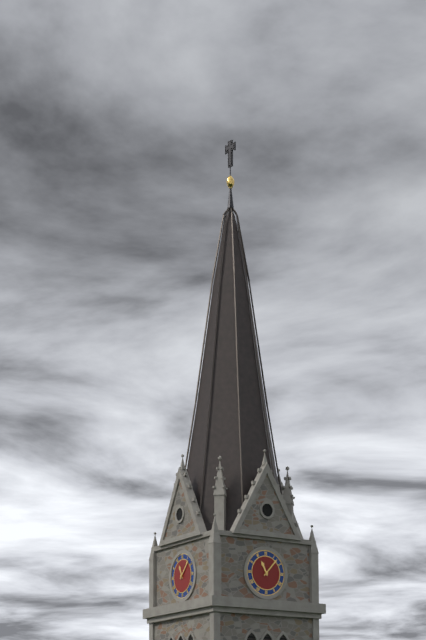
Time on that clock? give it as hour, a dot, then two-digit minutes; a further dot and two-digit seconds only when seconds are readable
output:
11.07
